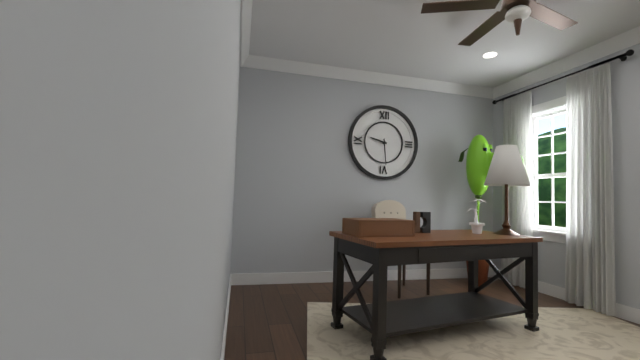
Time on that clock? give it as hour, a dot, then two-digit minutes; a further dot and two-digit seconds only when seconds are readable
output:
9.29
